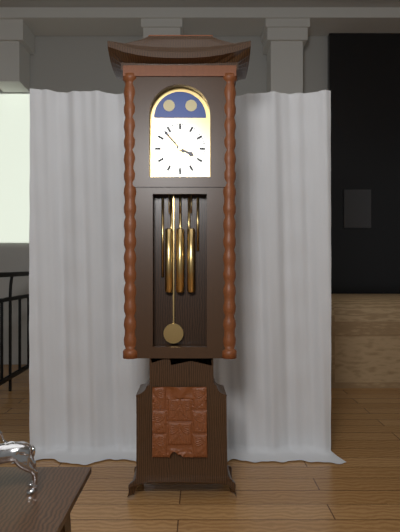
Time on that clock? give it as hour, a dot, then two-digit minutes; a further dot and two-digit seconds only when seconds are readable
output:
3.53
